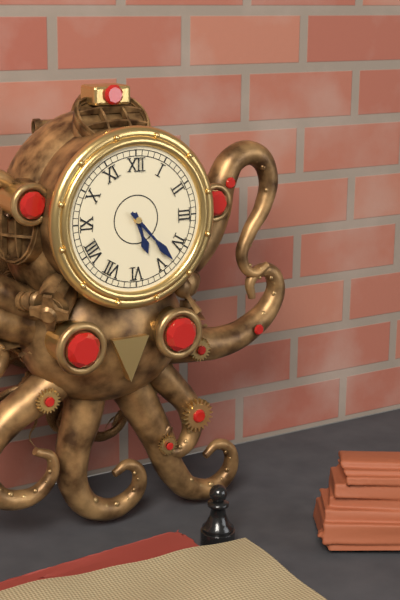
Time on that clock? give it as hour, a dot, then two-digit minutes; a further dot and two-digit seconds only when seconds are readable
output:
5.23
